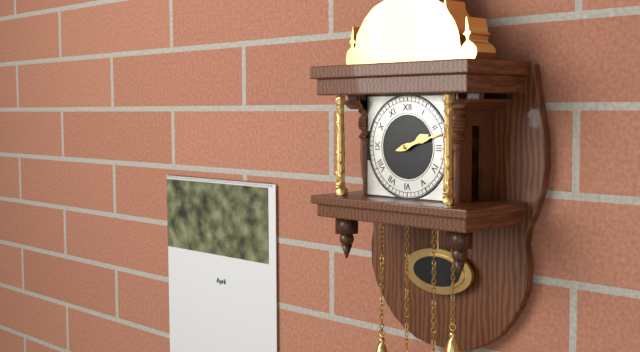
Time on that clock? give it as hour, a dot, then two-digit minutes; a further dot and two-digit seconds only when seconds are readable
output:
2.12
